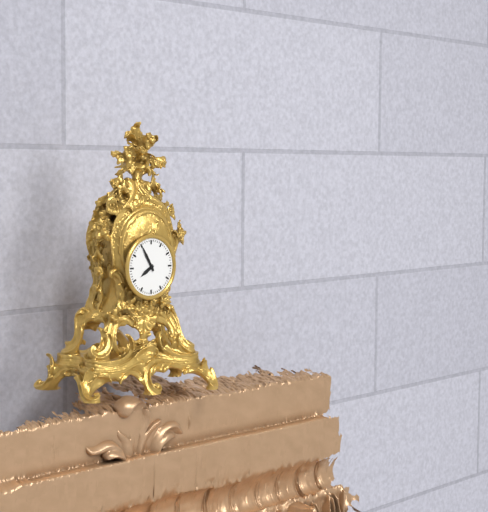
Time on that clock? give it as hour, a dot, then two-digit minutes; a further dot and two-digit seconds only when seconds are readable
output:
7.55
